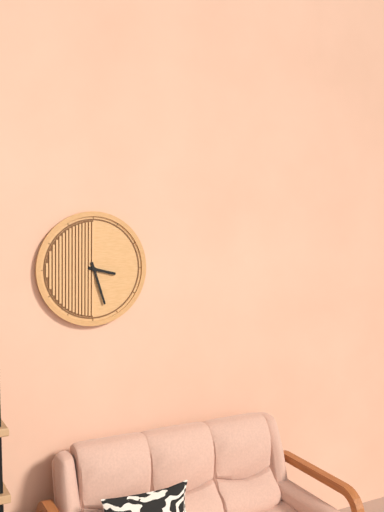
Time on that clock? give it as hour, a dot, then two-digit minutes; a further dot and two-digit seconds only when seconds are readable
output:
3.27
